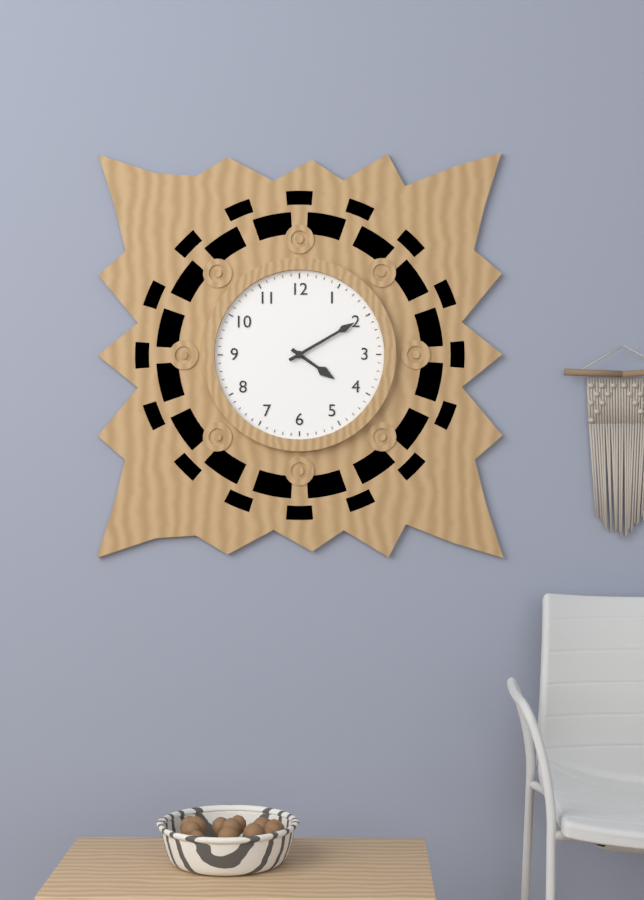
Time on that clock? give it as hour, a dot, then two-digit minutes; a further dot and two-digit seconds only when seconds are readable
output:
4.10
